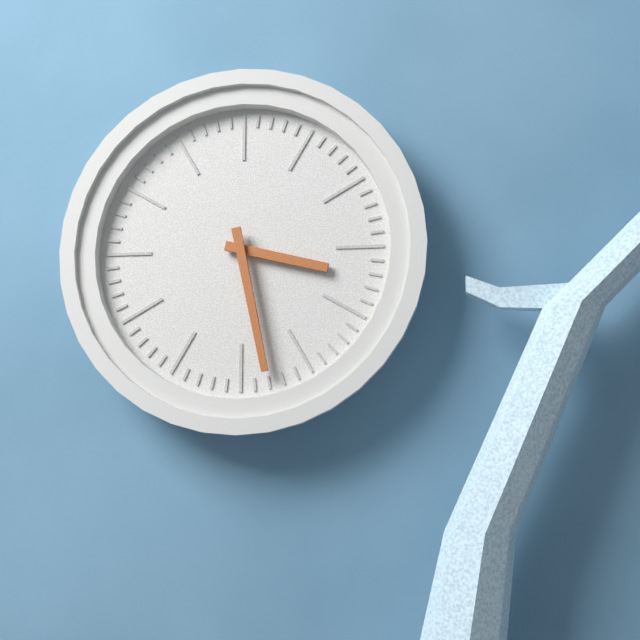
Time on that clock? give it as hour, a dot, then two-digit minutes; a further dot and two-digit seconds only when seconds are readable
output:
3.28
